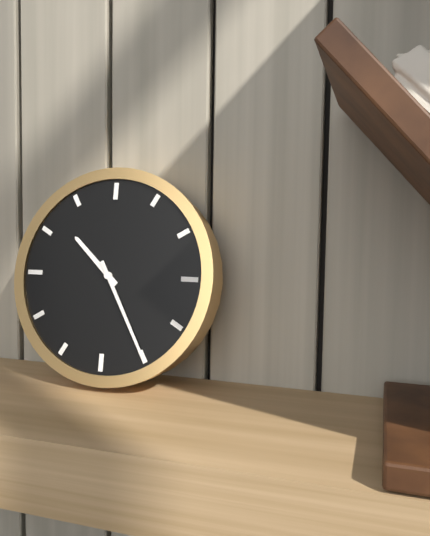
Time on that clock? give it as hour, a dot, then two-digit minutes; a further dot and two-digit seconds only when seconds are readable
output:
10.25
